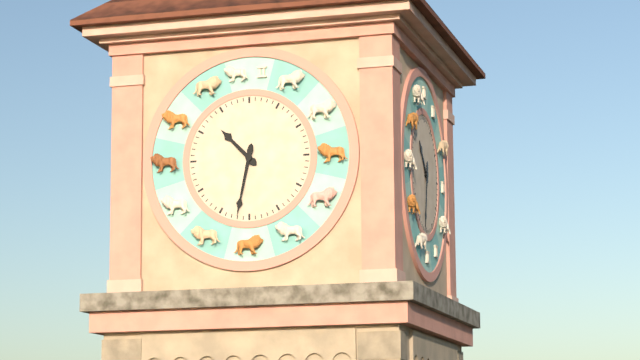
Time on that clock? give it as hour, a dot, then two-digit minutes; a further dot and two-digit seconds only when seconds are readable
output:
10.32
